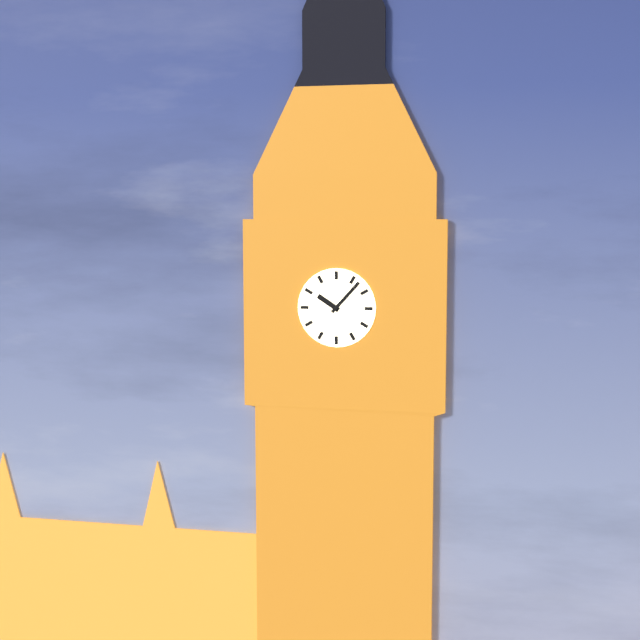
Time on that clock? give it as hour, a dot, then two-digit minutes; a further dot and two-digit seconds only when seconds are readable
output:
10.07
